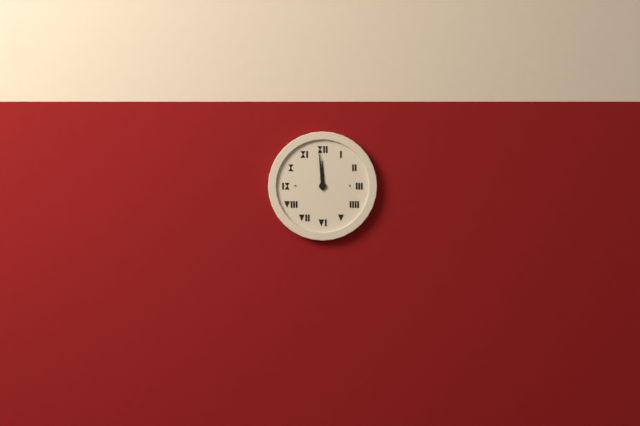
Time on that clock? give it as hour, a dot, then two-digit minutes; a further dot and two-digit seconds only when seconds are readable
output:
11.59
